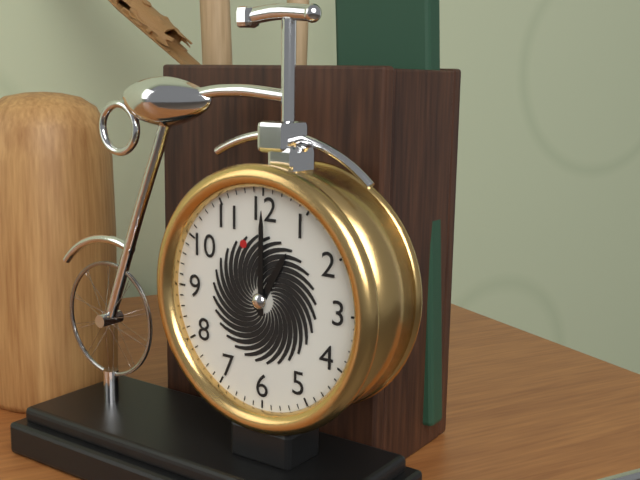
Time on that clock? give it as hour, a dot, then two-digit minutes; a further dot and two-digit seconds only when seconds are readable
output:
1.00
